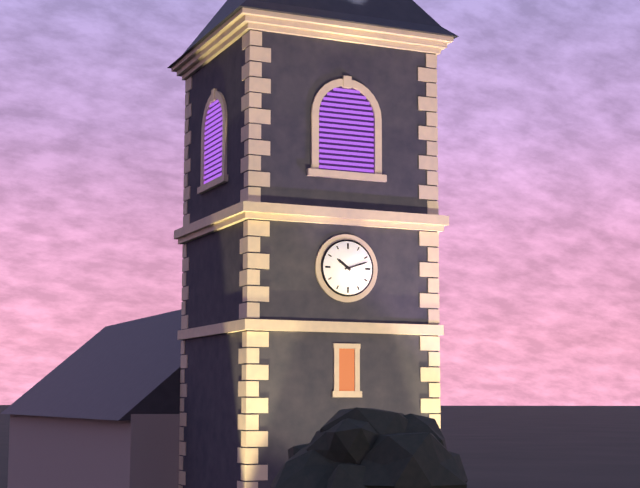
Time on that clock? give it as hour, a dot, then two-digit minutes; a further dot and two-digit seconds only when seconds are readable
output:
10.12
